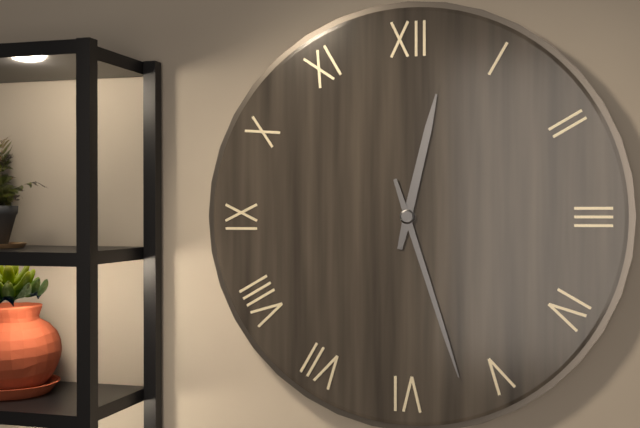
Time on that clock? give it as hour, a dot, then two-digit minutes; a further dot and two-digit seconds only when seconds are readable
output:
12.27
